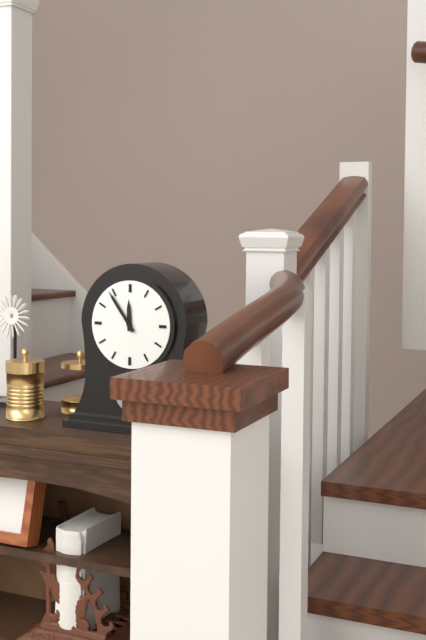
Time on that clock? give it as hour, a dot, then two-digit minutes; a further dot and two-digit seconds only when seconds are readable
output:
11.54
